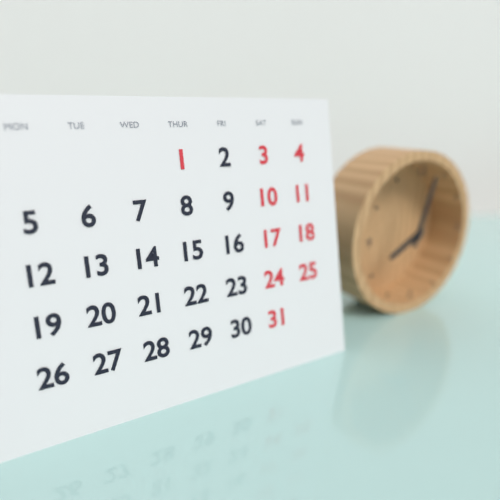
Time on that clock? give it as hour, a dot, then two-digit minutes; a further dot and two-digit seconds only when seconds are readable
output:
8.03
